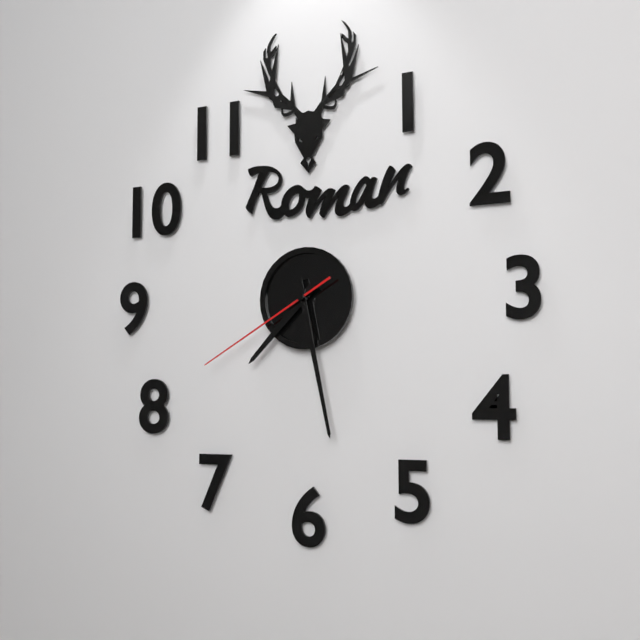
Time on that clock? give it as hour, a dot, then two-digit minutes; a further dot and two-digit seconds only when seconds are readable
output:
7.28.40
